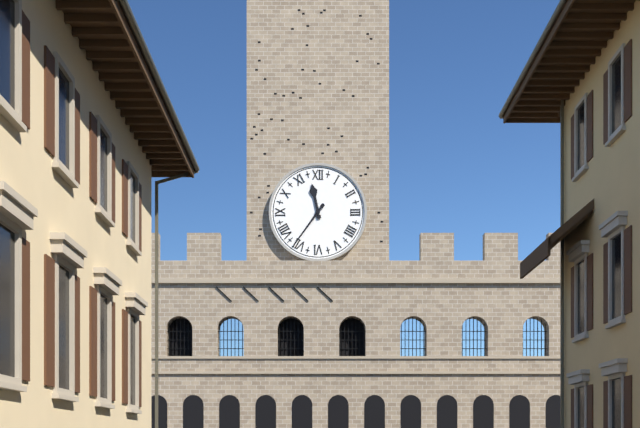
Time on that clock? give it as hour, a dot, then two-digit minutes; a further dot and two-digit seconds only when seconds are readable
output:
11.36
